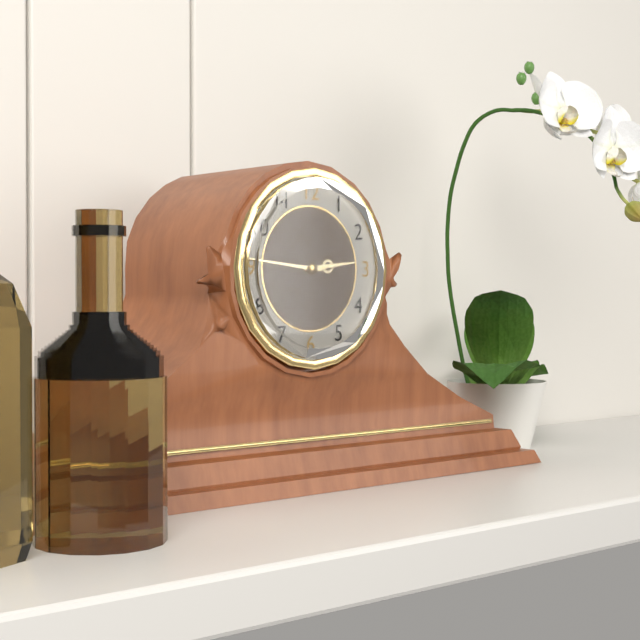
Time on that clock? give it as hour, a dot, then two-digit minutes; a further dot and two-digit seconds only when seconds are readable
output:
2.46
